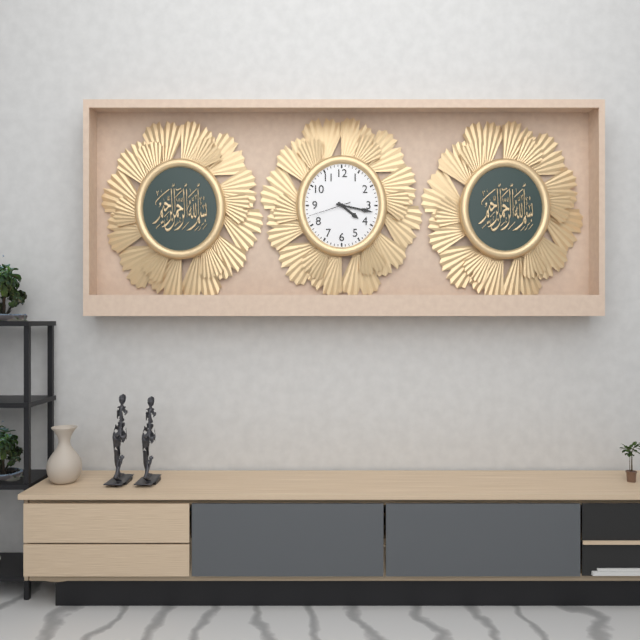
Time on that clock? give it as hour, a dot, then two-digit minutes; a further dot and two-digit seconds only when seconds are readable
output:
4.17
